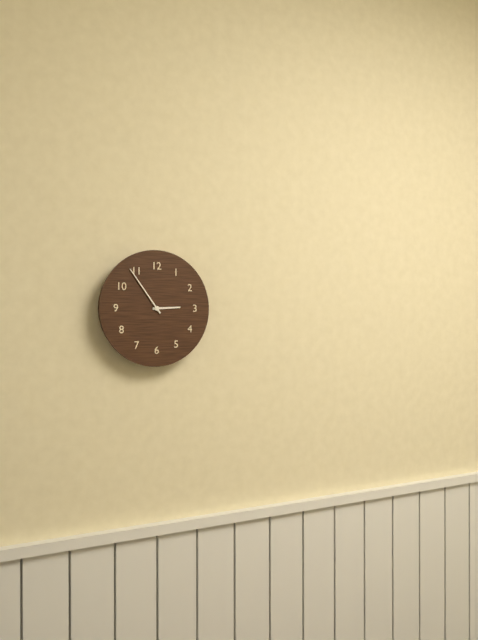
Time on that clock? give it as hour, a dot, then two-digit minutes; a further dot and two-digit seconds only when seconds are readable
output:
2.54
